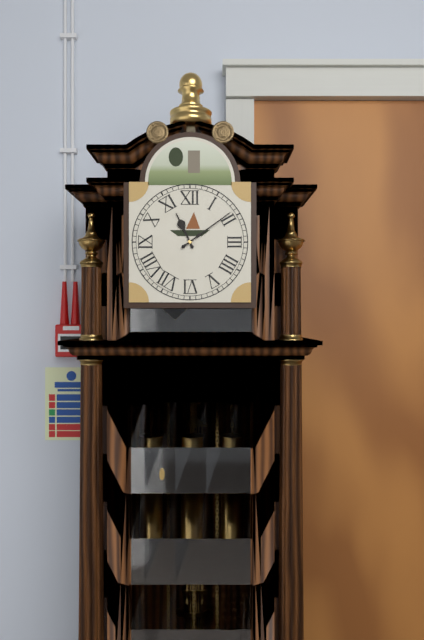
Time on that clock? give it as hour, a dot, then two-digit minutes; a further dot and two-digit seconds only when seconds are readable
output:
11.09
